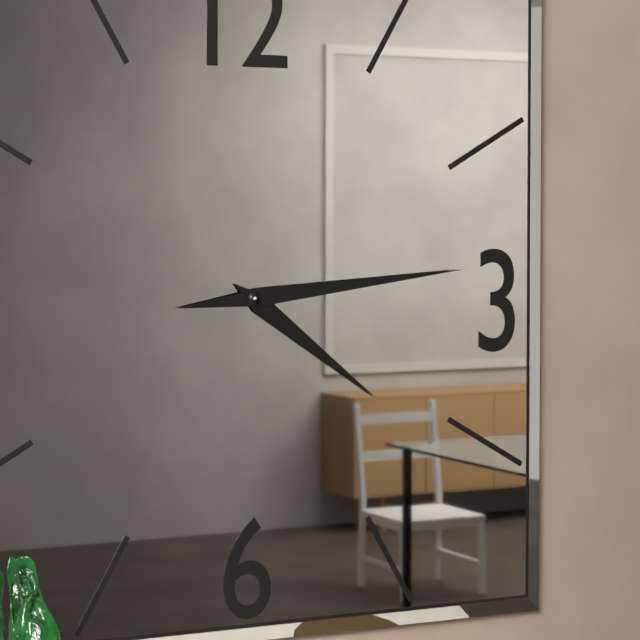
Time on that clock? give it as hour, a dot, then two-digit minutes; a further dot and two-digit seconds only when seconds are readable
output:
4.14
